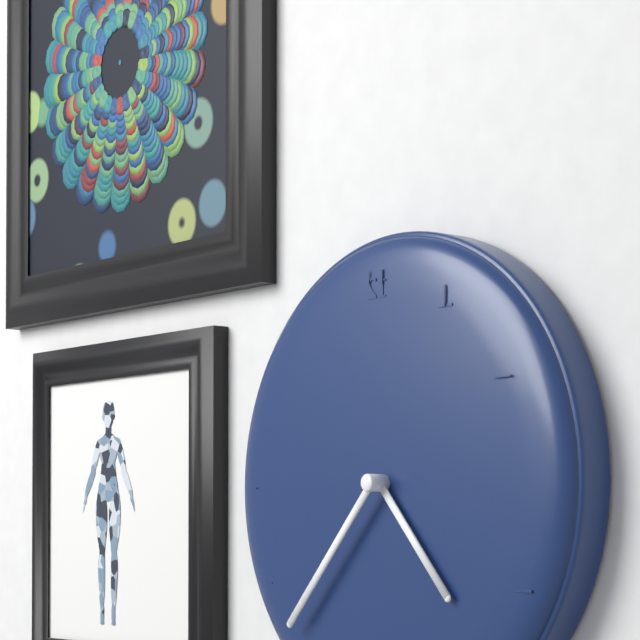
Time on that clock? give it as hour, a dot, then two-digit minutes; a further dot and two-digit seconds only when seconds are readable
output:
4.37
